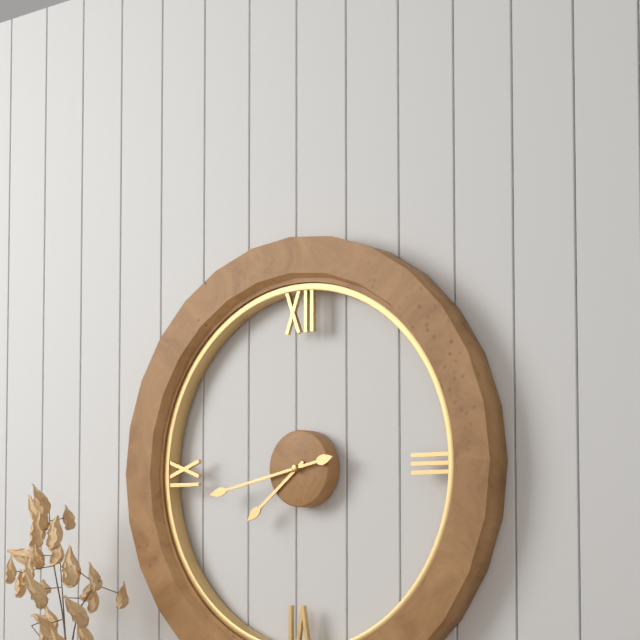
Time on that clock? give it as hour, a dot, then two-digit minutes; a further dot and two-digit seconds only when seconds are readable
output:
7.43
